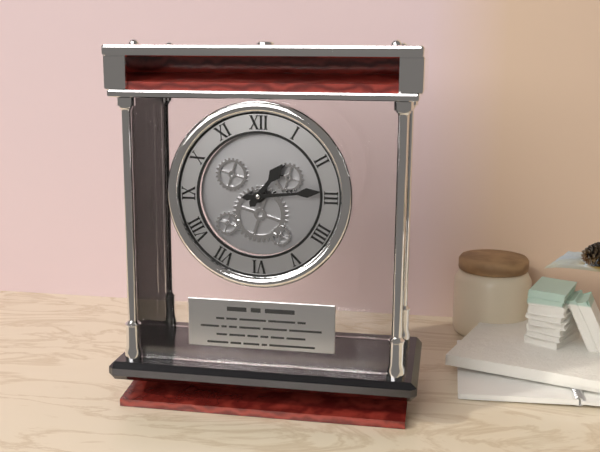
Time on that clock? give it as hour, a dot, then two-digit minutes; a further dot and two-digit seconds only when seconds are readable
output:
1.14
